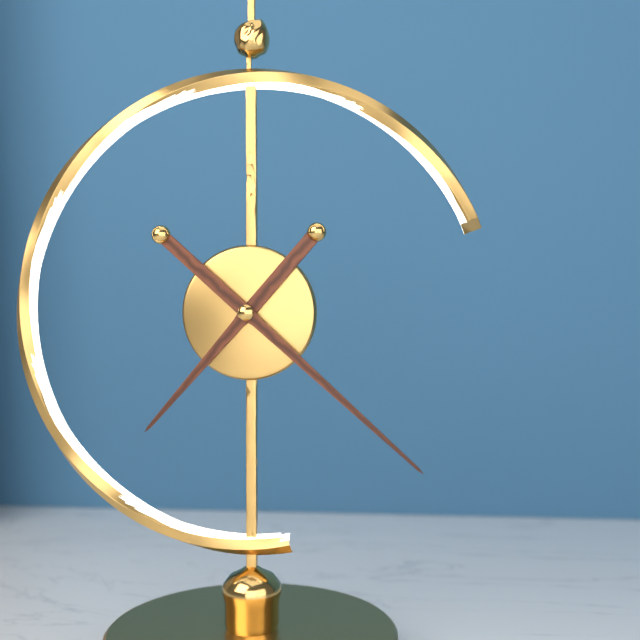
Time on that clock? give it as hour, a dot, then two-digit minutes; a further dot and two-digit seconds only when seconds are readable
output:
7.22
